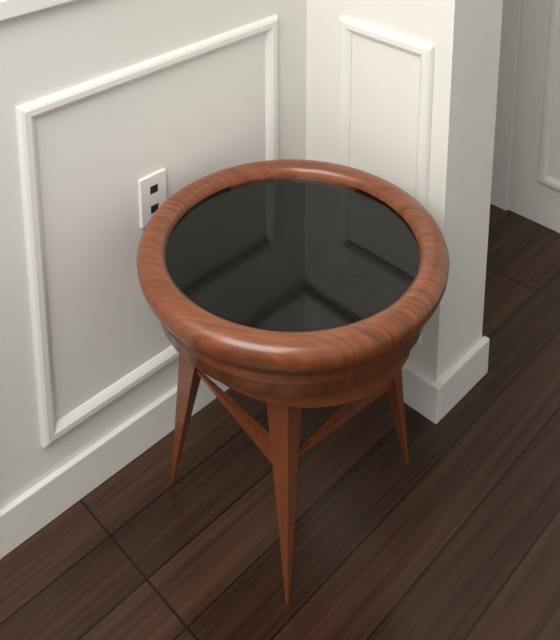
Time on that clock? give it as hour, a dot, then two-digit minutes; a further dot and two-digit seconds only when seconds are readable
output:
12.59
